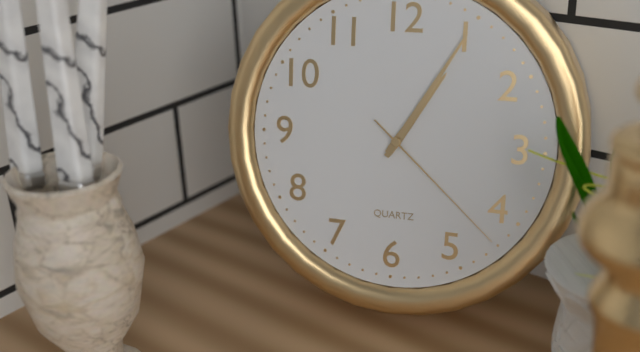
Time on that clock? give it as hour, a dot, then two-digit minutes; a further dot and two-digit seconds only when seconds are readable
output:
1.05.22
